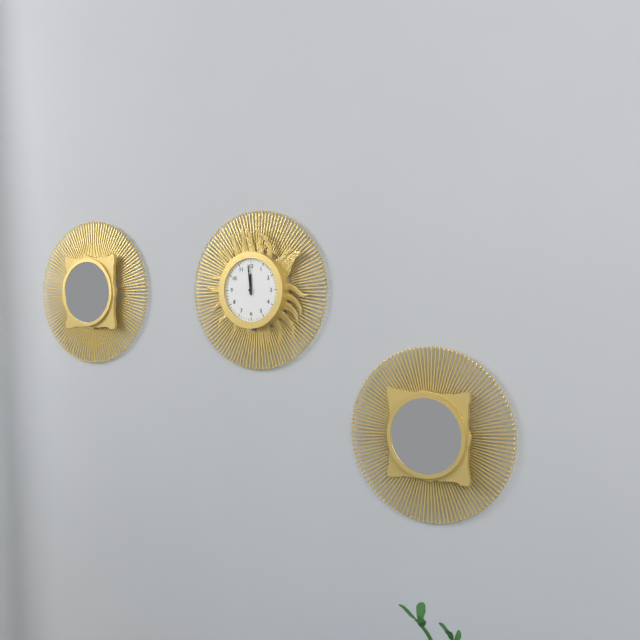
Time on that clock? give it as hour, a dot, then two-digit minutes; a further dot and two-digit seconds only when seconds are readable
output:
11.59
